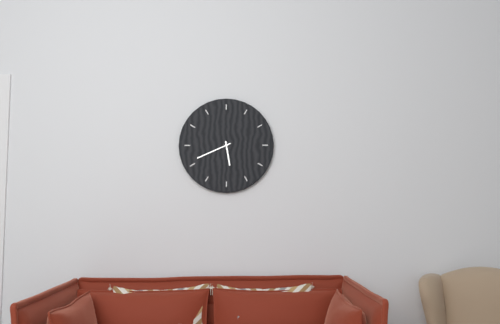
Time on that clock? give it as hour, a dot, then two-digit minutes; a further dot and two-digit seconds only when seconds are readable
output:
5.41
